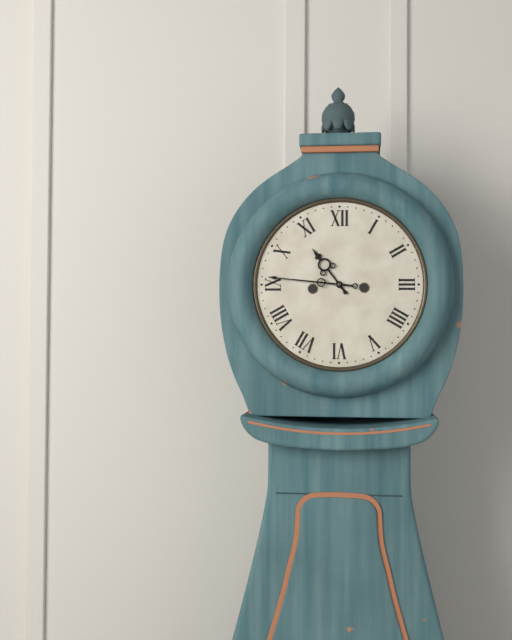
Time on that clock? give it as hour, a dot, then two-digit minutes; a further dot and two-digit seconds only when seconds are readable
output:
10.46
